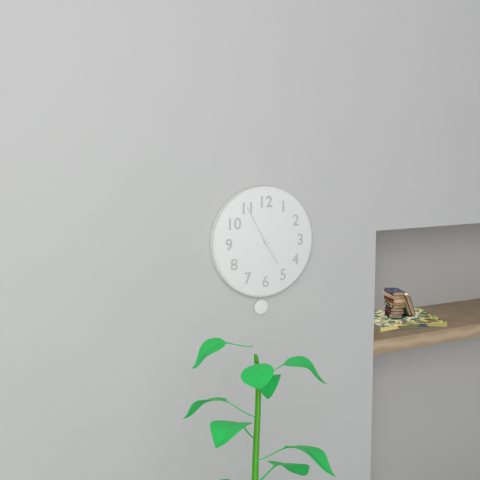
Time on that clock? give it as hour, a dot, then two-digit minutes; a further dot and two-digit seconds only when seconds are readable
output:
4.55
